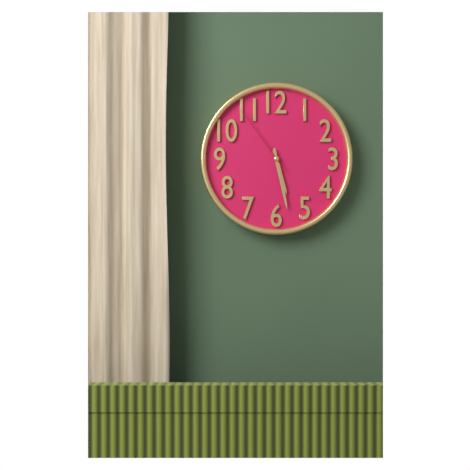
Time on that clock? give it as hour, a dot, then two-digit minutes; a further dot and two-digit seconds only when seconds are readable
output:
5.28.54
